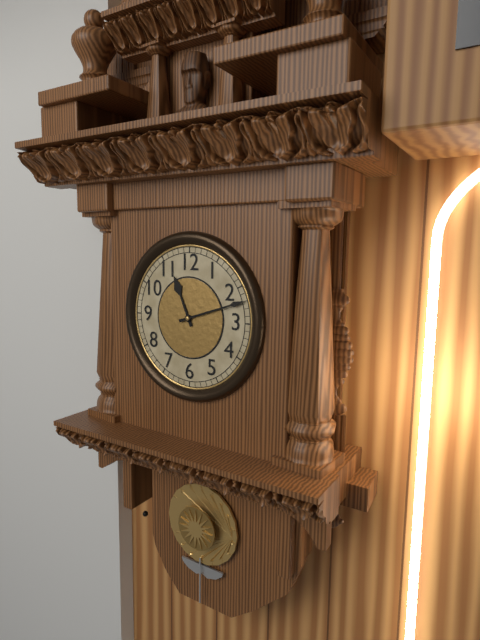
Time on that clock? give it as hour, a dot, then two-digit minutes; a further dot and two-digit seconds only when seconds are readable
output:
11.12
